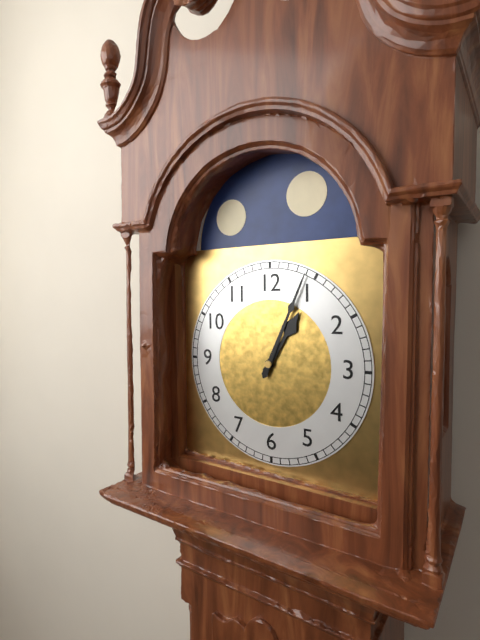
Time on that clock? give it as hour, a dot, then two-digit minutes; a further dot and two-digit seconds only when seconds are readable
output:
1.04
